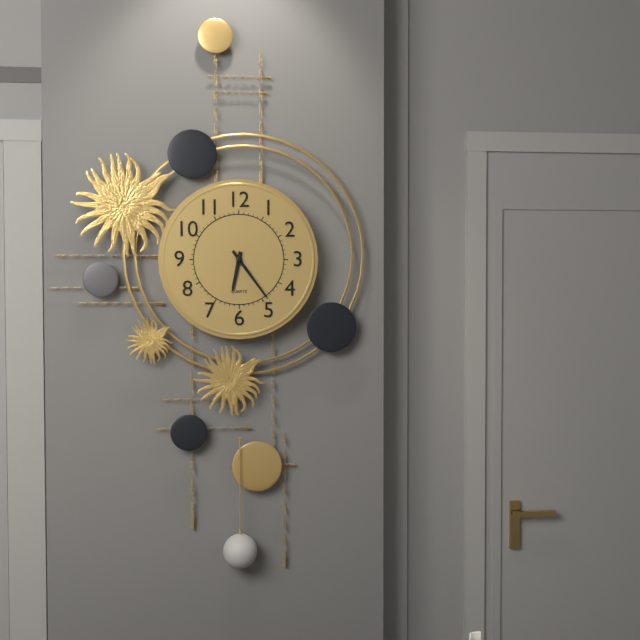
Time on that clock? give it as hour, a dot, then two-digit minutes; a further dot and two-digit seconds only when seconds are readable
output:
6.24
